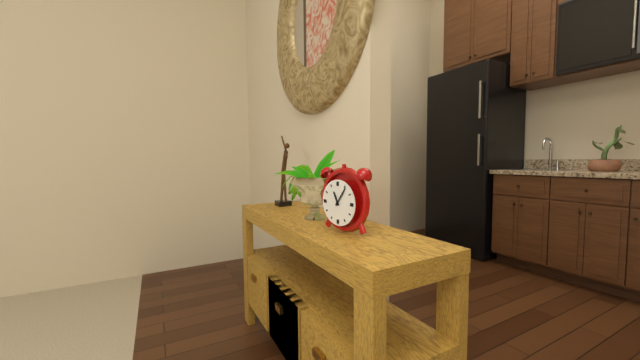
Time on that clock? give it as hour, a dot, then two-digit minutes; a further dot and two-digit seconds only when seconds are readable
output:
11.06
